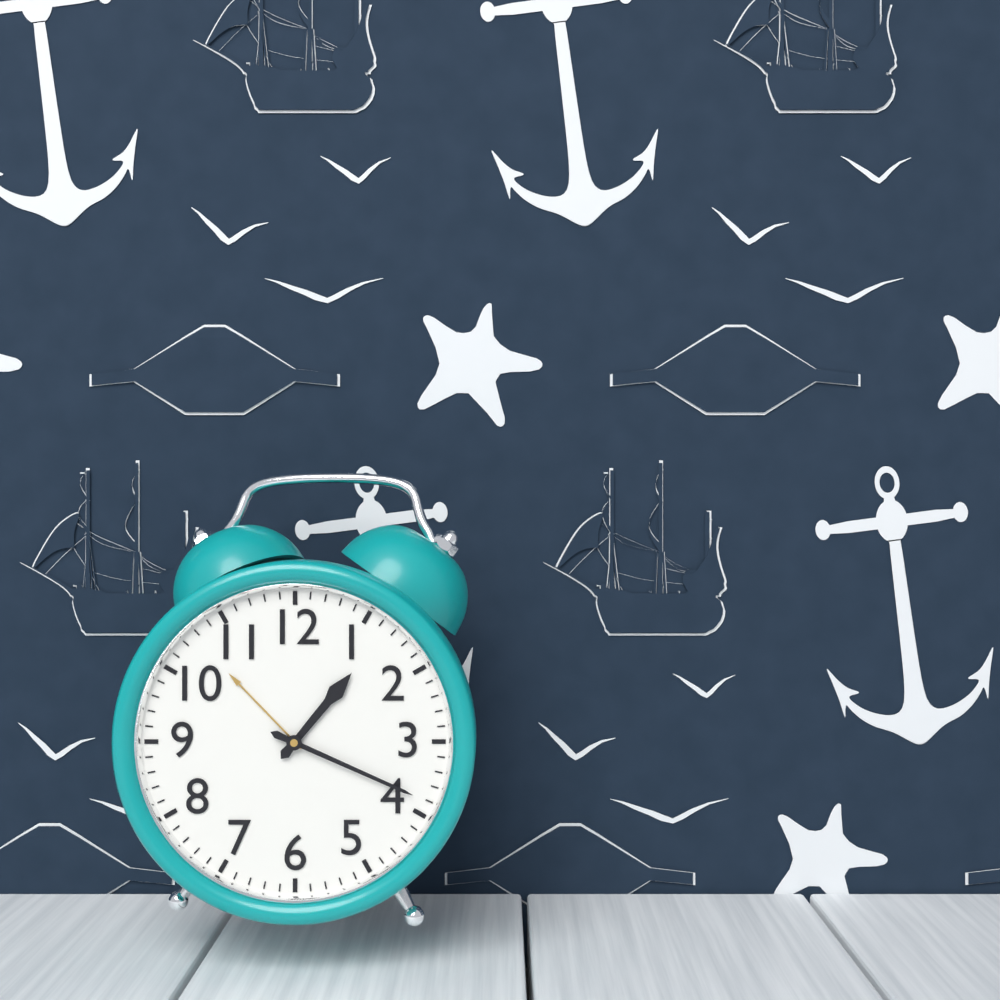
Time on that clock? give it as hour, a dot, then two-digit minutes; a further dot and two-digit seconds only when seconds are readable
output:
1.19
